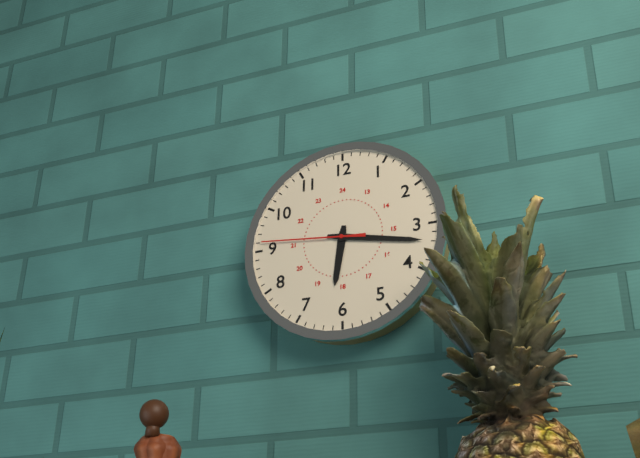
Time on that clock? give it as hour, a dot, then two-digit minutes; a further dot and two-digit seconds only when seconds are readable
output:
6.17.46
